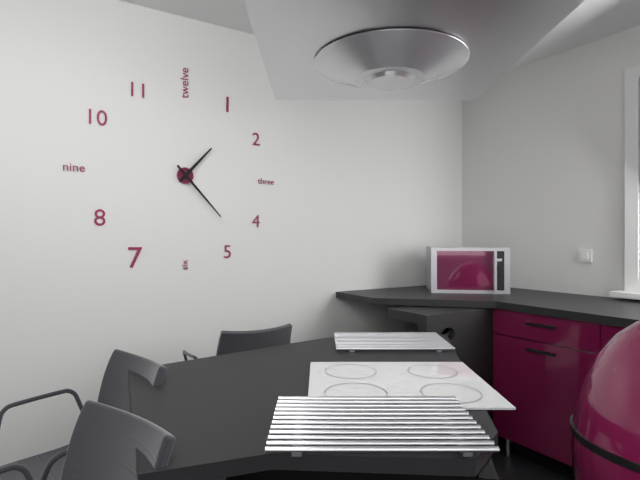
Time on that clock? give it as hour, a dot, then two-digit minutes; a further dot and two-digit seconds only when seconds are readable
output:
1.23
